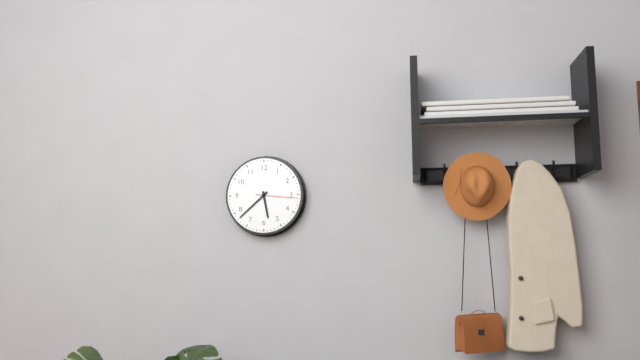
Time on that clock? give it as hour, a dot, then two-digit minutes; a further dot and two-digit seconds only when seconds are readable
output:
5.38
